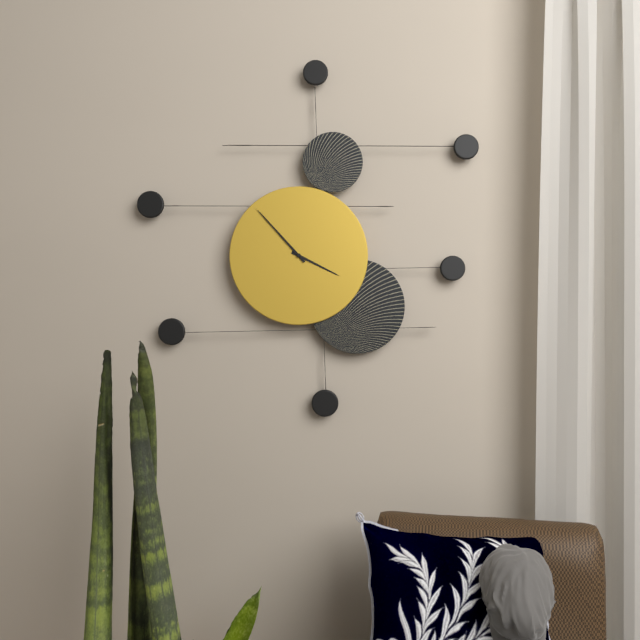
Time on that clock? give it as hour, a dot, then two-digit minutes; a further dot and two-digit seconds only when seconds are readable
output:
3.53
